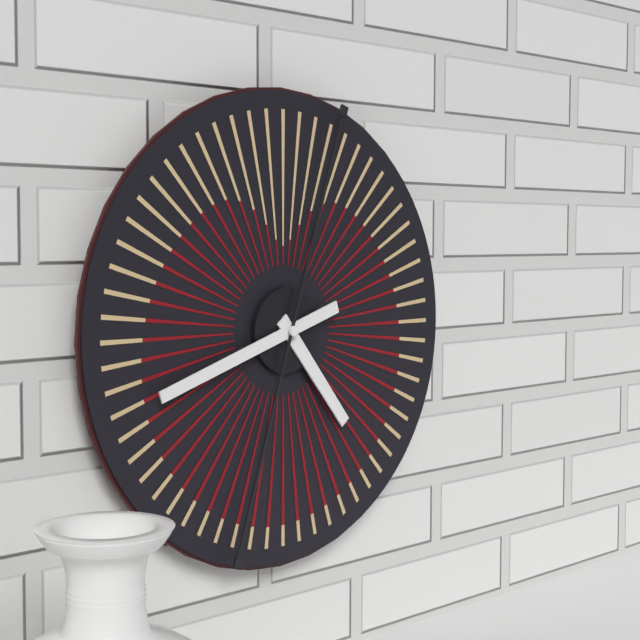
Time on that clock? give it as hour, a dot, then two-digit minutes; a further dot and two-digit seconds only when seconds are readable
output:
4.42
